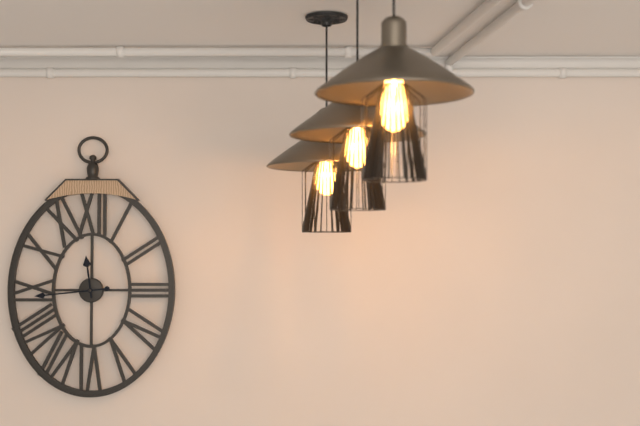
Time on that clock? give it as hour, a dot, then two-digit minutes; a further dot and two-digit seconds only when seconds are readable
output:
11.44
